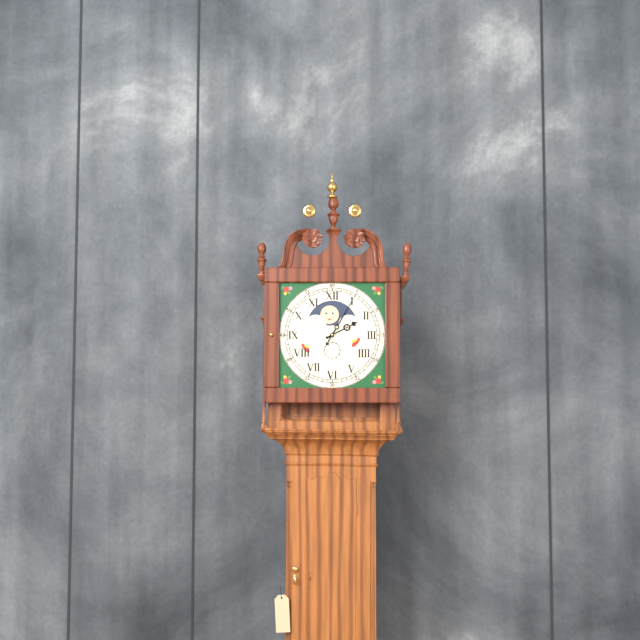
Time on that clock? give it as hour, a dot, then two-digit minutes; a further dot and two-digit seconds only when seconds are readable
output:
2.05
